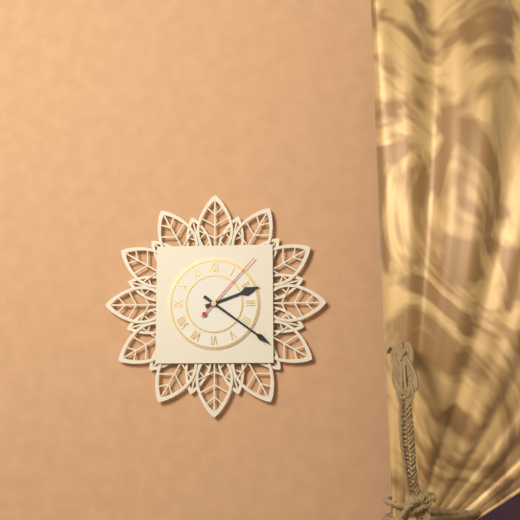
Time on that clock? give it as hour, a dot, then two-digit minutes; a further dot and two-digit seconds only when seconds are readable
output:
2.21.07
